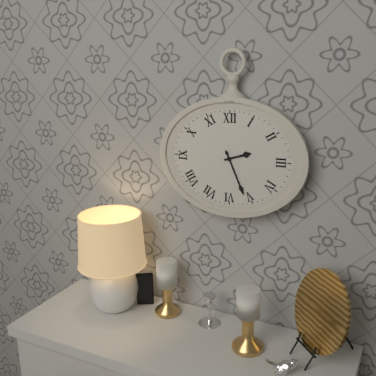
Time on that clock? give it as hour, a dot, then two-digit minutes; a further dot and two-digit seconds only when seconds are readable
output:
2.26
